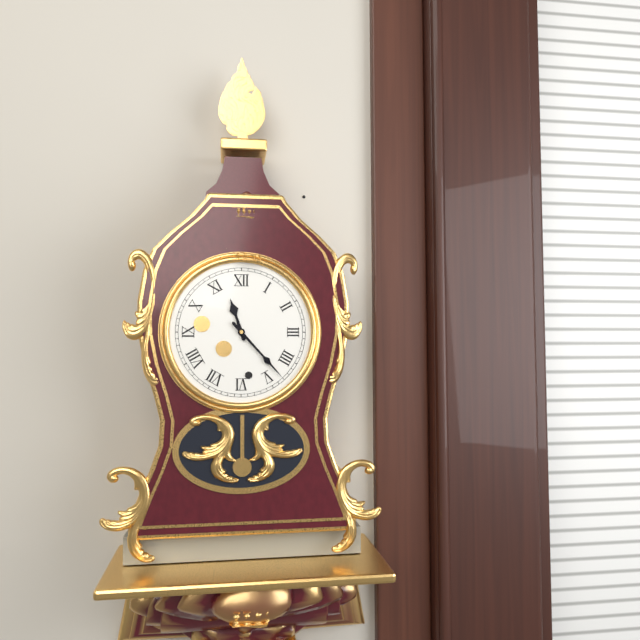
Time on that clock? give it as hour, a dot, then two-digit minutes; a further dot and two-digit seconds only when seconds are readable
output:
11.23
